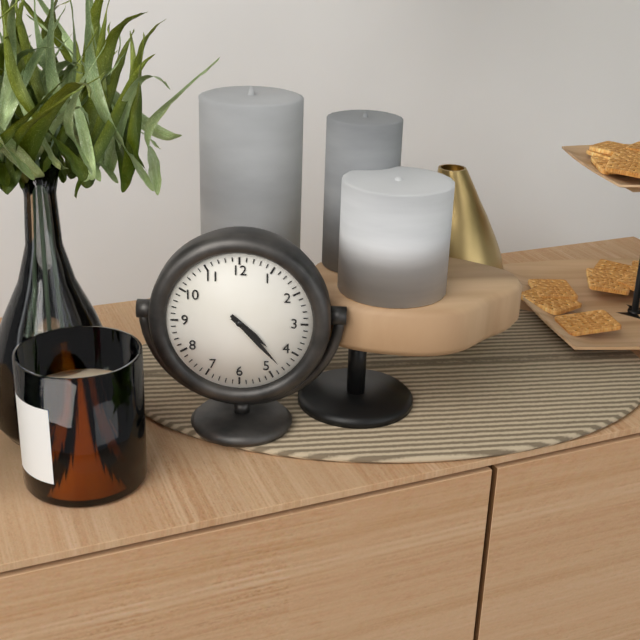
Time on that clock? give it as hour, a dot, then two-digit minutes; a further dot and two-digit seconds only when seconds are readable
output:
4.23
